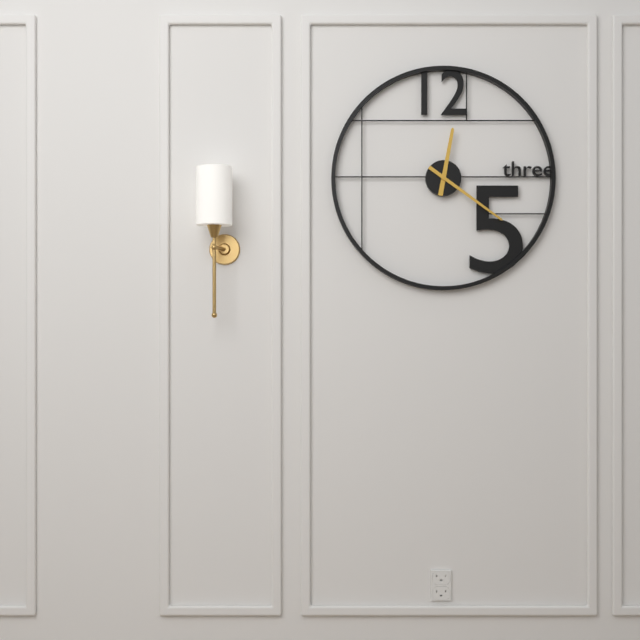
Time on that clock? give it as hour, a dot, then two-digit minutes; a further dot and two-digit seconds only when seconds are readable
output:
12.21
